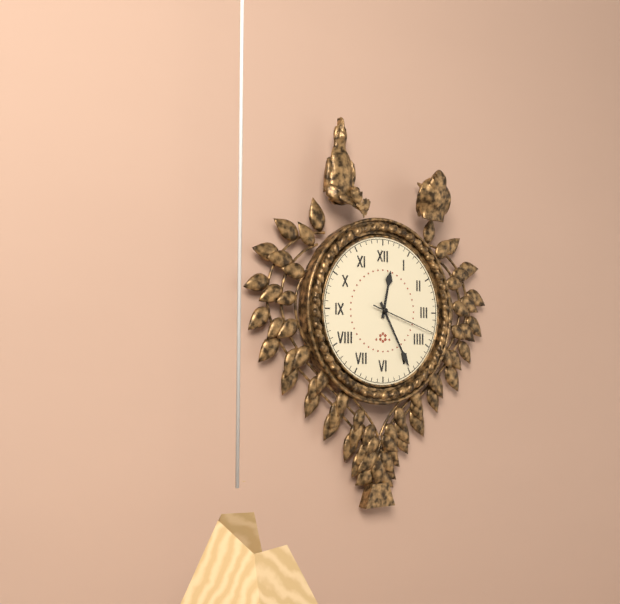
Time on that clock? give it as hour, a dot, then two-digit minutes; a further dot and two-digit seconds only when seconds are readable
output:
12.25.18
